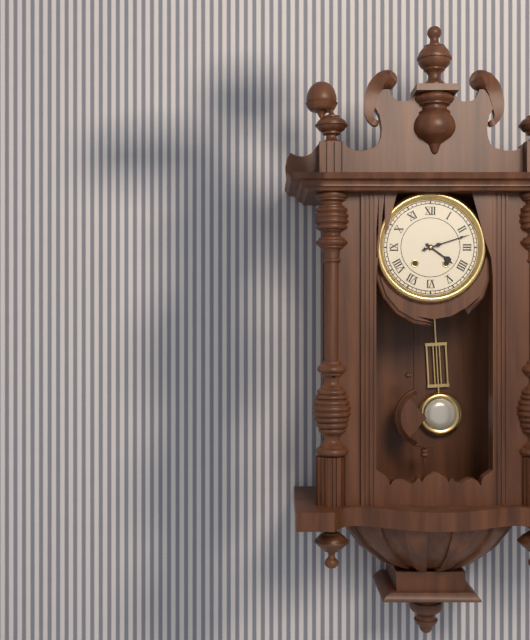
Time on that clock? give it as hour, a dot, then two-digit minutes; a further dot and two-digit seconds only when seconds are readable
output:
4.12
